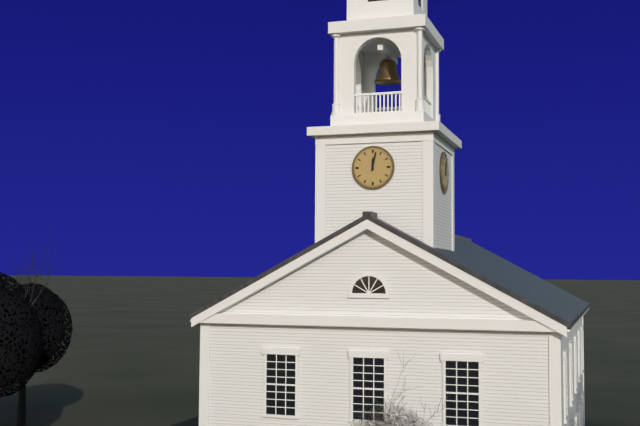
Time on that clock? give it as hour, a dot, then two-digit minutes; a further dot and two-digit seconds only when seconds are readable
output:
12.02
